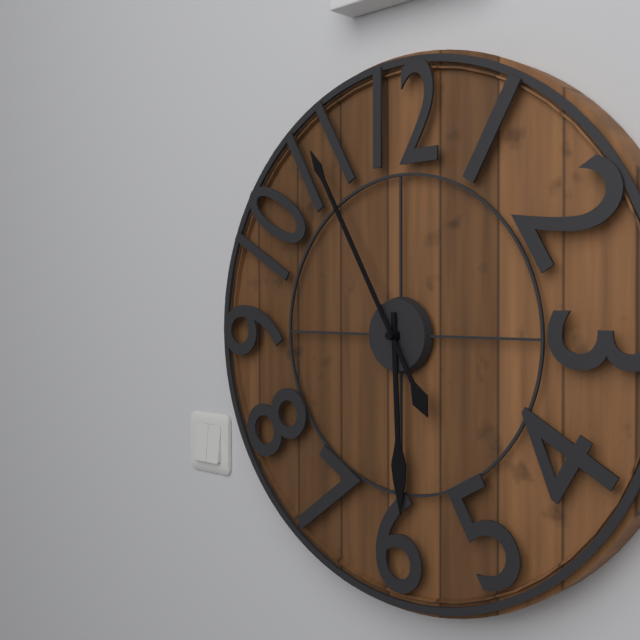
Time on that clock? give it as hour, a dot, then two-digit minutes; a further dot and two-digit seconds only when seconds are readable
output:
5.55
